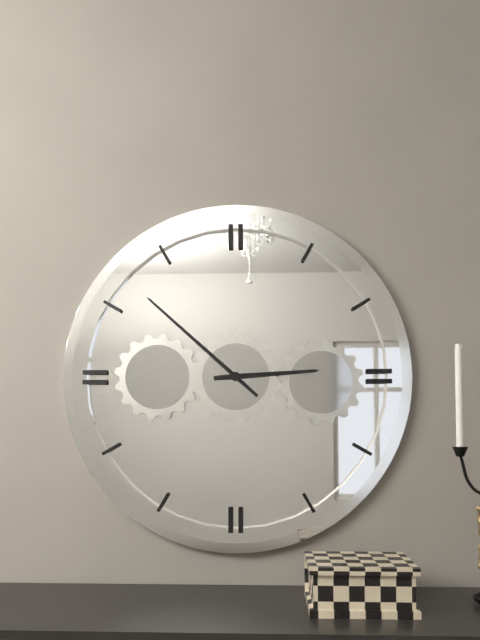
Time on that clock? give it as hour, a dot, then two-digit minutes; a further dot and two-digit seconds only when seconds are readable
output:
2.52
